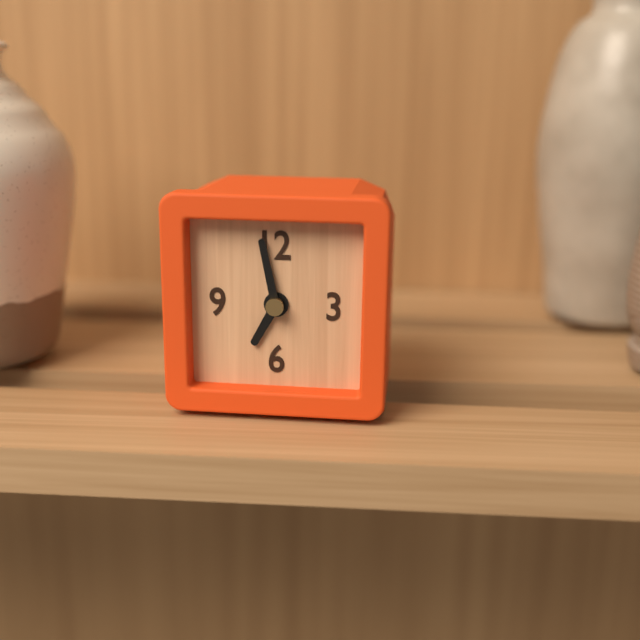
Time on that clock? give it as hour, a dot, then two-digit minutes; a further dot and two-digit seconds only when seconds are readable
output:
6.58
